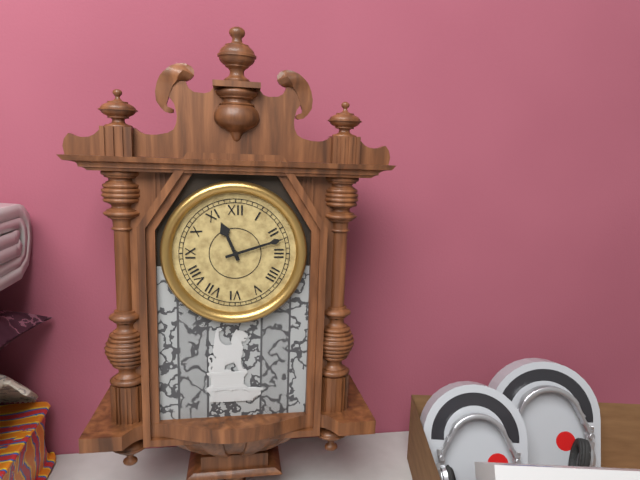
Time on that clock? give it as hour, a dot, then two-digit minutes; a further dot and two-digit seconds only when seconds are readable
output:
11.12
